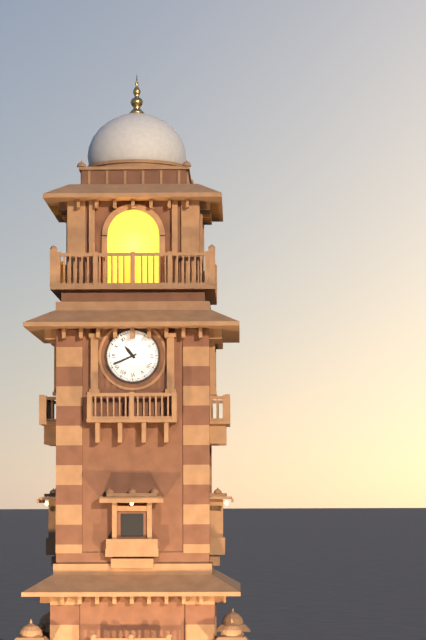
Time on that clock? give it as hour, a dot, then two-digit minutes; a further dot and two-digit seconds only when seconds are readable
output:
10.41
